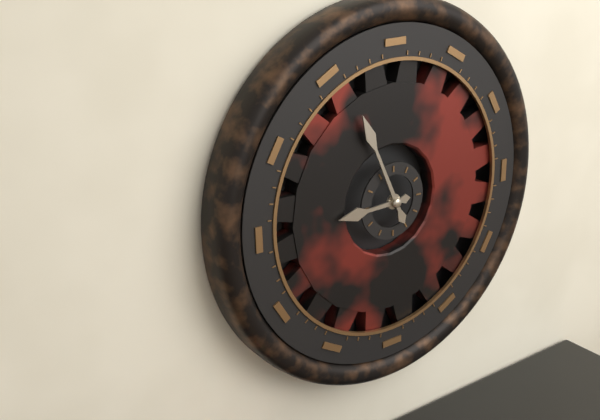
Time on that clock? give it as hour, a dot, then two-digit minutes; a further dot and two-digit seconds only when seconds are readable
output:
8.56
